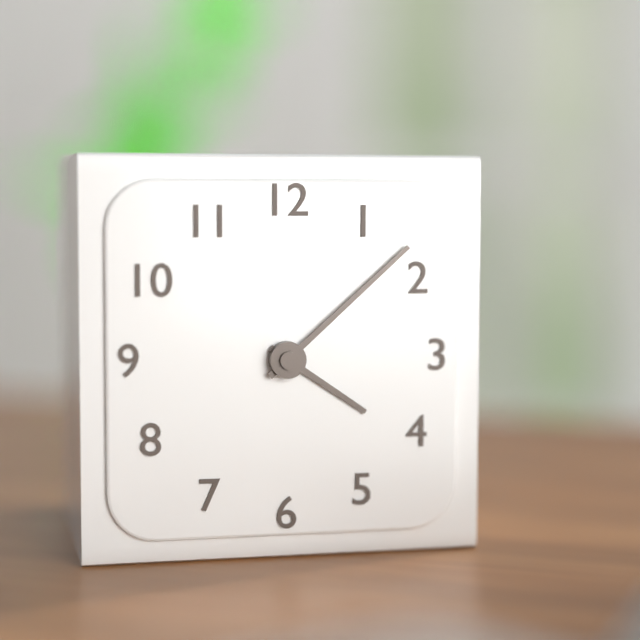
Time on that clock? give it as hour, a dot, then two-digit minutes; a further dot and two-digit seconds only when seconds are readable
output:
4.08
